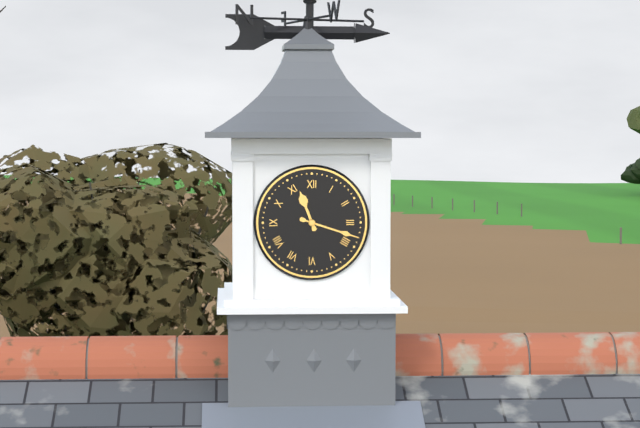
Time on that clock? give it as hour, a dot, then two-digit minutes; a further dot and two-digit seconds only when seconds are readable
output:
11.18
